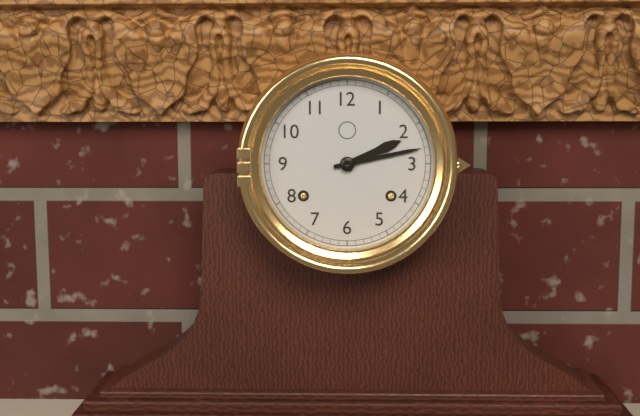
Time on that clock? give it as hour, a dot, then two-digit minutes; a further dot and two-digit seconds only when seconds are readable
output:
2.13
